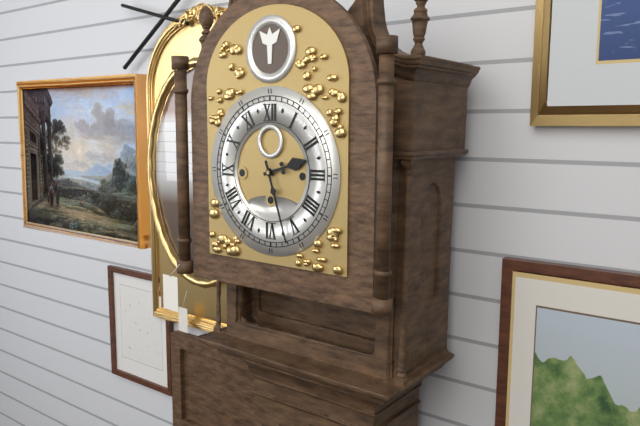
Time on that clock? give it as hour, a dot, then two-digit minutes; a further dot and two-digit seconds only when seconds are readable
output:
2.27
